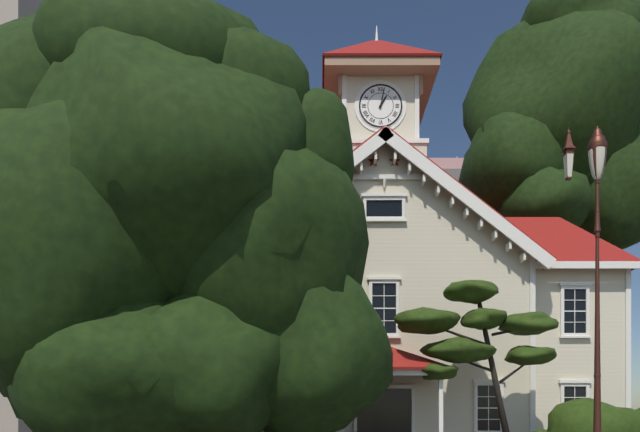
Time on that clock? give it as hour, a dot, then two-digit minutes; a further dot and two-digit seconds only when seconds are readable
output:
1.02
